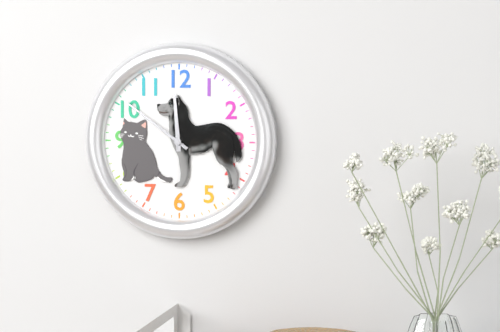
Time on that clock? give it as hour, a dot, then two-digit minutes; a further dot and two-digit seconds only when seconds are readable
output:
11.51
